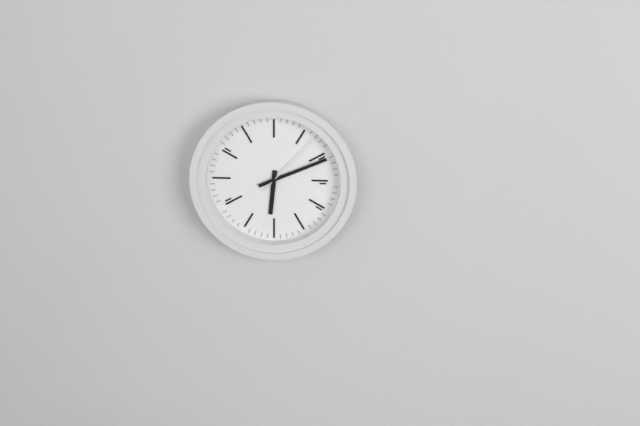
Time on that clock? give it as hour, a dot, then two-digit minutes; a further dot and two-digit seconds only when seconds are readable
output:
6.11.07
